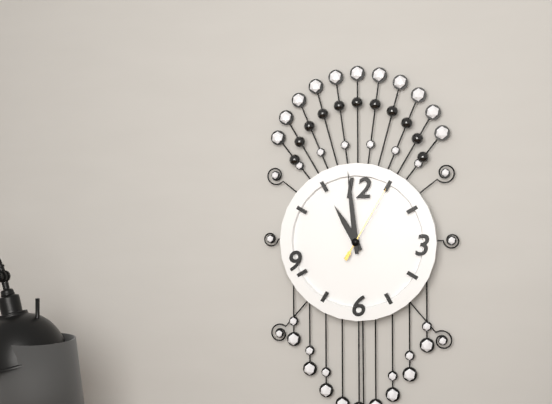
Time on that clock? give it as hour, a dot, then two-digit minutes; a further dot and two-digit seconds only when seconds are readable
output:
10.59.05
